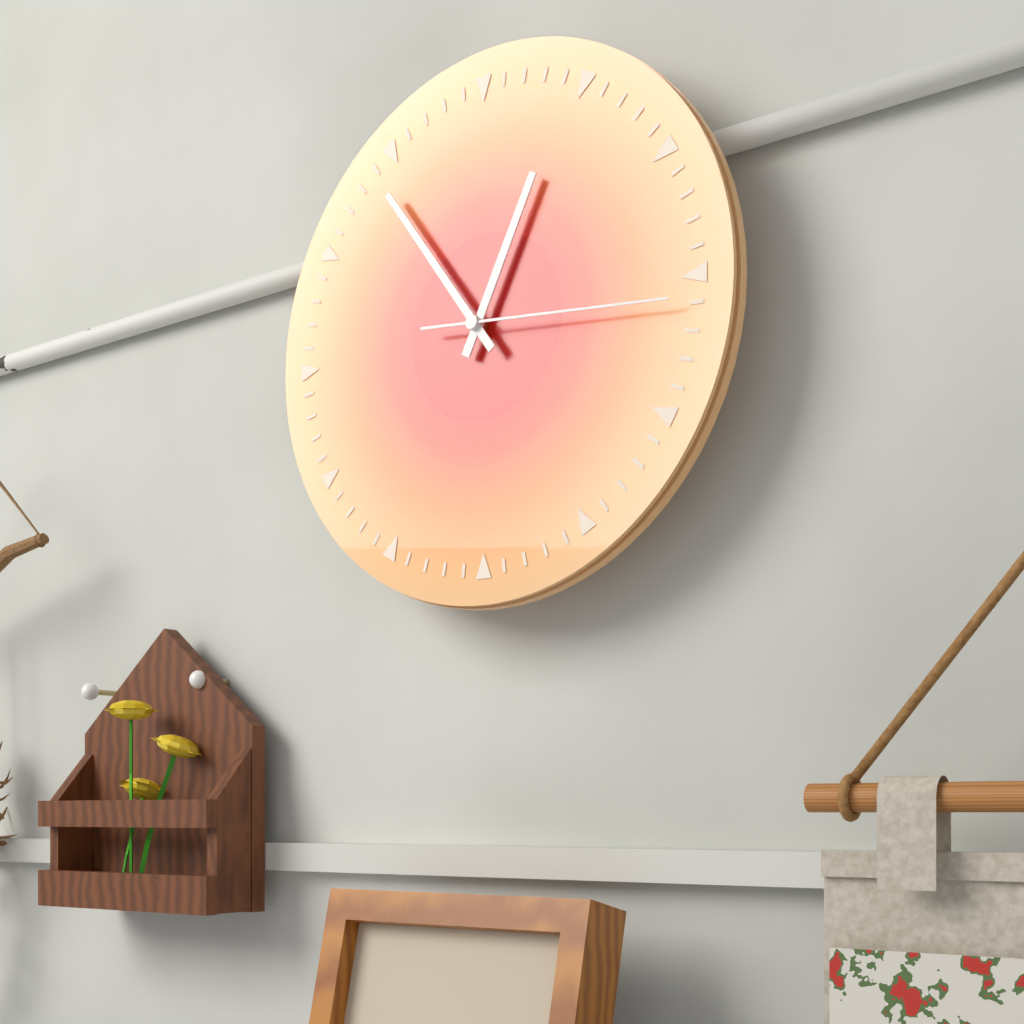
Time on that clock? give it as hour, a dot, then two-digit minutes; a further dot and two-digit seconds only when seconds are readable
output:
12.54.16
